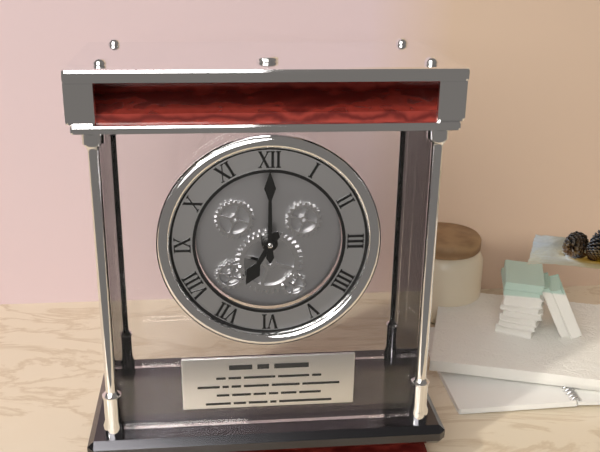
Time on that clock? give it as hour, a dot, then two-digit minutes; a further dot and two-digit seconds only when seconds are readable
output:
7.00
